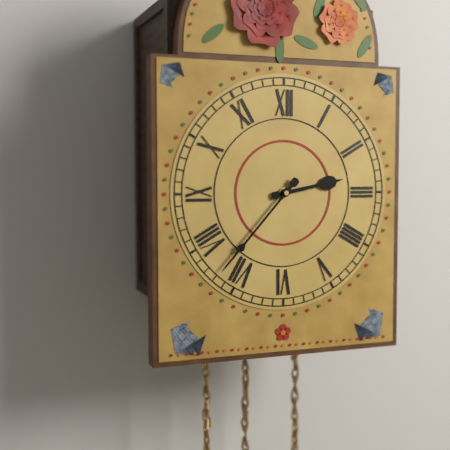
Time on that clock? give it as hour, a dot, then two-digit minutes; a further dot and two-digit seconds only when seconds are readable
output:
2.37
